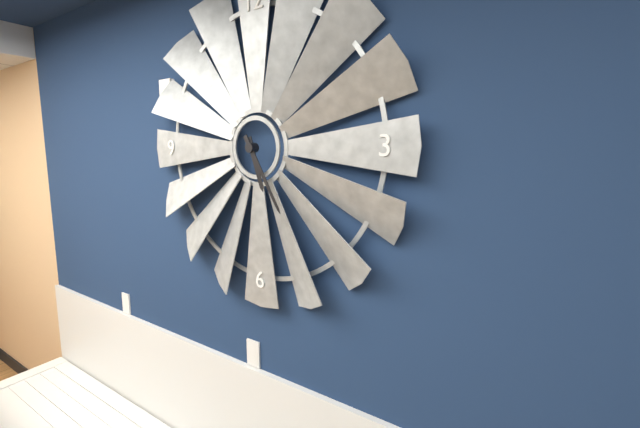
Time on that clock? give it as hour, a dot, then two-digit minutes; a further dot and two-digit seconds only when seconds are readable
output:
5.25
